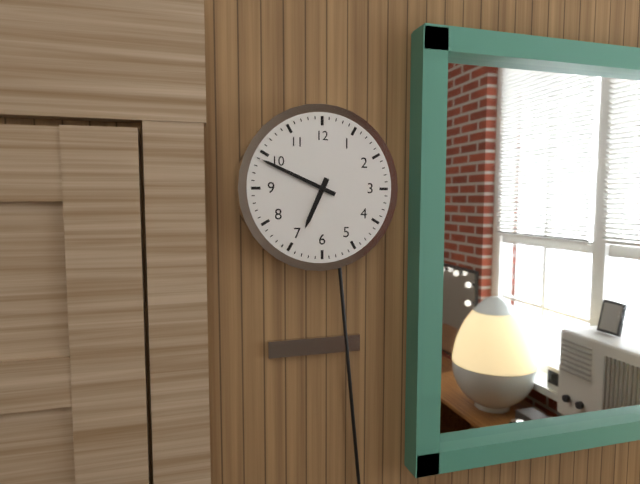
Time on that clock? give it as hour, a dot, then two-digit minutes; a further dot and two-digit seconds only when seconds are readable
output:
6.49
